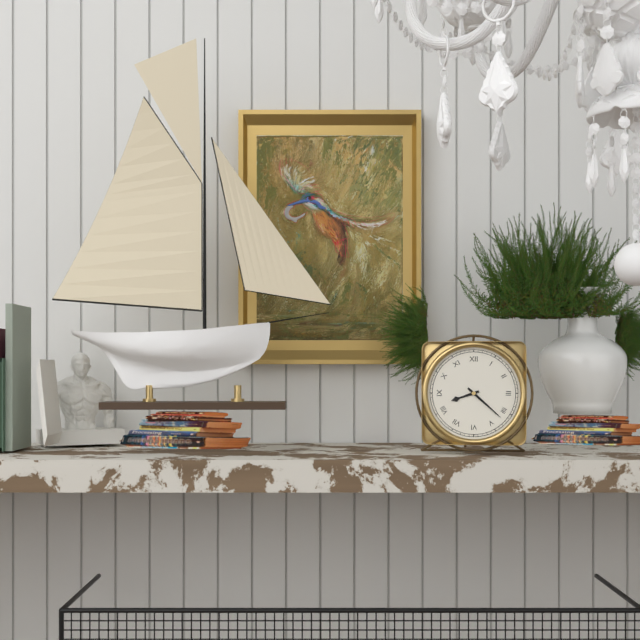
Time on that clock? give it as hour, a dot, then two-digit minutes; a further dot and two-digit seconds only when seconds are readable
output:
8.22
